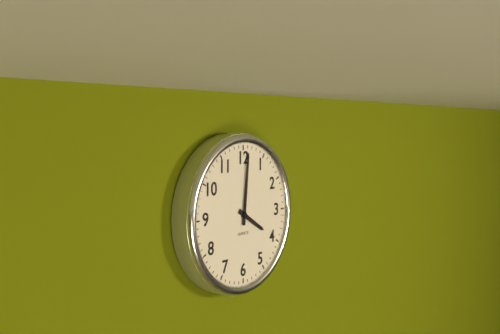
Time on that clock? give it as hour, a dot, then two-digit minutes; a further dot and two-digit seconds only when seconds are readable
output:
4.01
